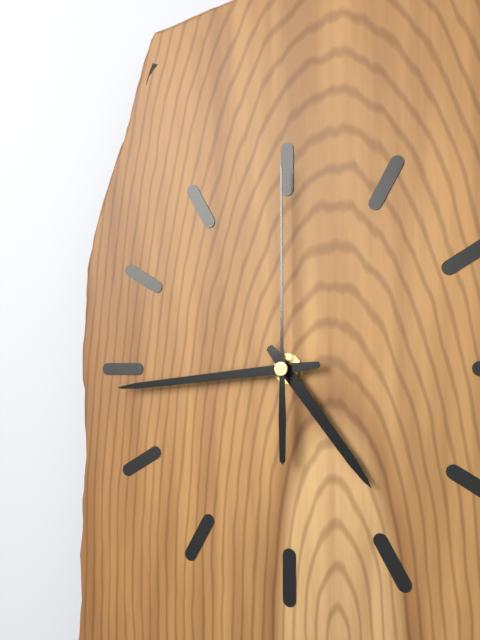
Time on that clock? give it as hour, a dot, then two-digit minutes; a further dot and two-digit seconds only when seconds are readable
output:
4.44.00
